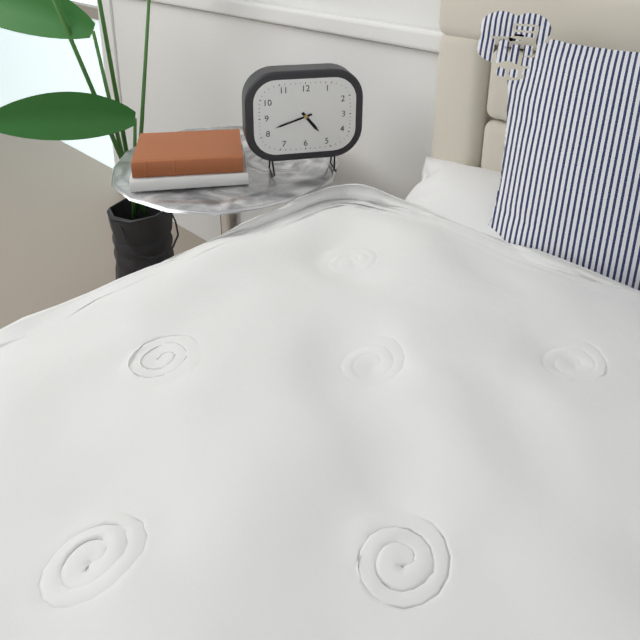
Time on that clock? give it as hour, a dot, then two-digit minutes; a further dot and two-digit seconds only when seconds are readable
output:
4.42
